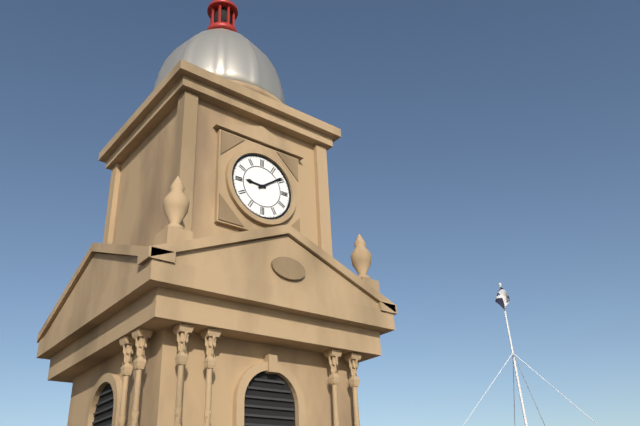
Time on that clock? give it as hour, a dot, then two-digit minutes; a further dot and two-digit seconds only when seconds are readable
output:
9.09
